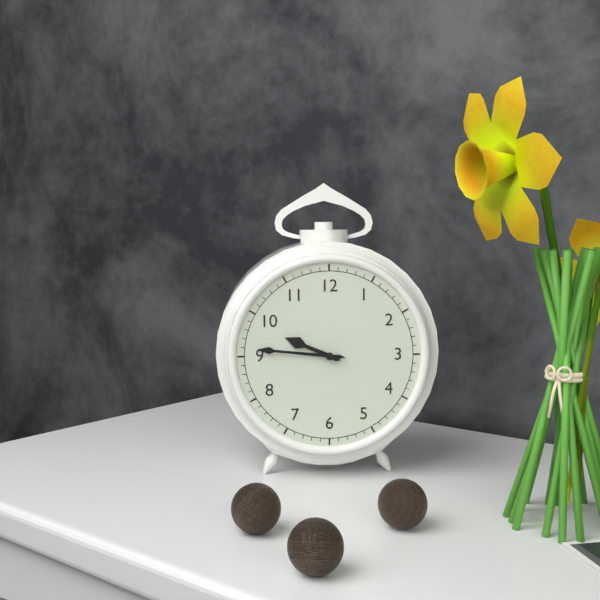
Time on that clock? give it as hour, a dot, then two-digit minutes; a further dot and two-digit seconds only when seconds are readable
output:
9.46
